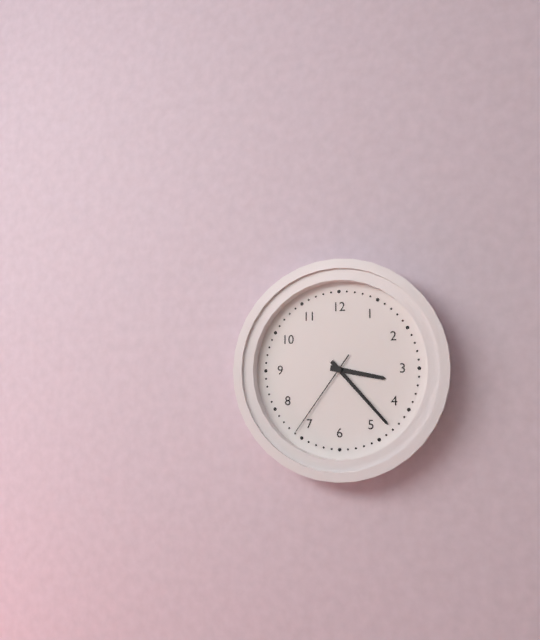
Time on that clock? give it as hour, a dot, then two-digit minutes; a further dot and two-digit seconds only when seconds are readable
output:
3.23.36
